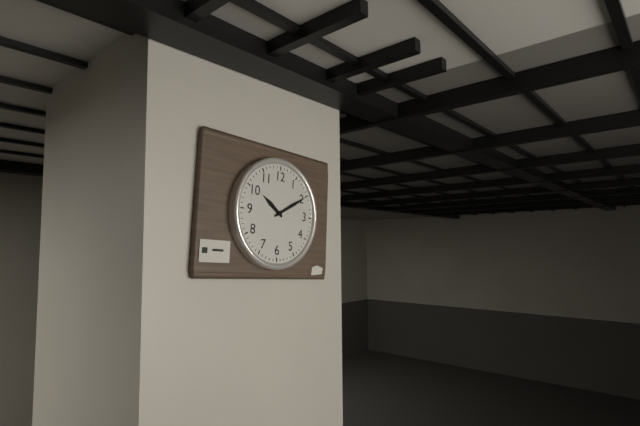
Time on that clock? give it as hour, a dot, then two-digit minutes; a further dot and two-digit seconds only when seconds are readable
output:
10.10
